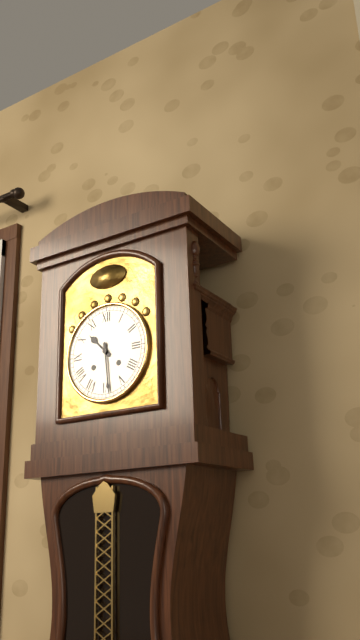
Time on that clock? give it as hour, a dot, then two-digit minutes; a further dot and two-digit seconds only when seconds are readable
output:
10.29
